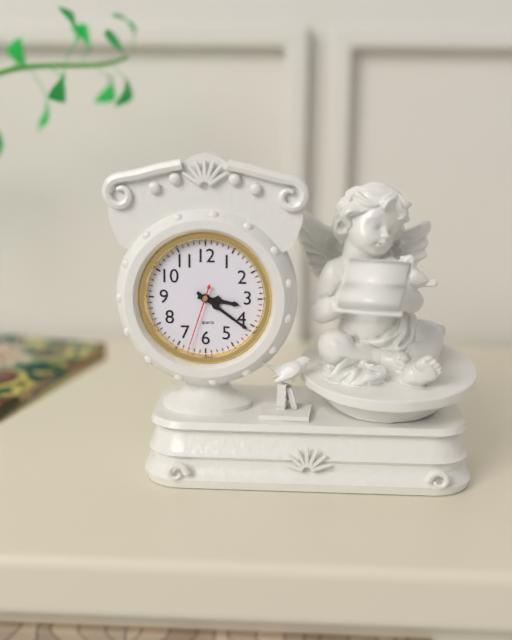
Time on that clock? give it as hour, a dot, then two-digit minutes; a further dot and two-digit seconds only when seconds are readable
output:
3.21.33
